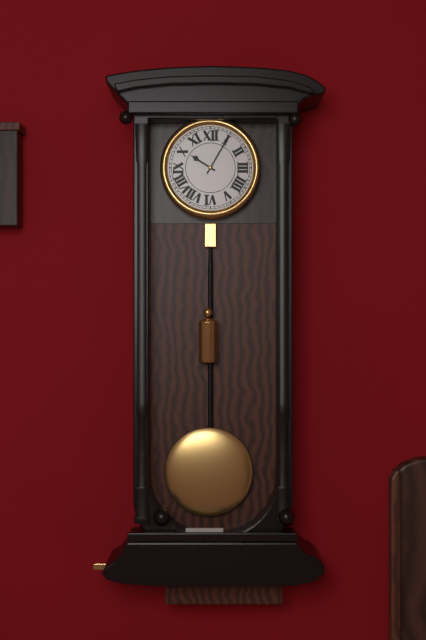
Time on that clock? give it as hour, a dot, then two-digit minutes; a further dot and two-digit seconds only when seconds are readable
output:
10.05
